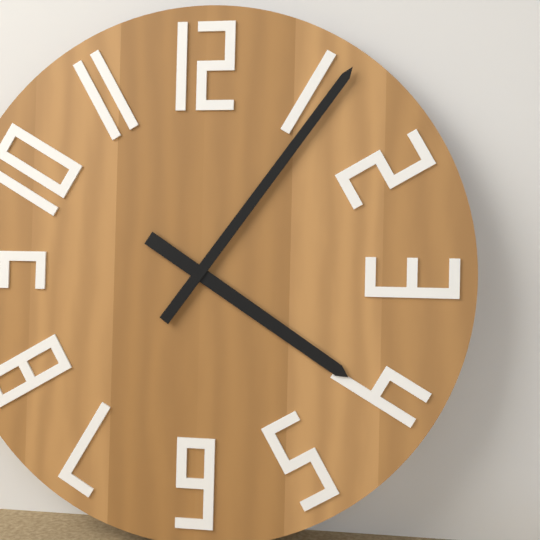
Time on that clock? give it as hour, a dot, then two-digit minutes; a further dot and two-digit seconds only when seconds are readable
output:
4.06
